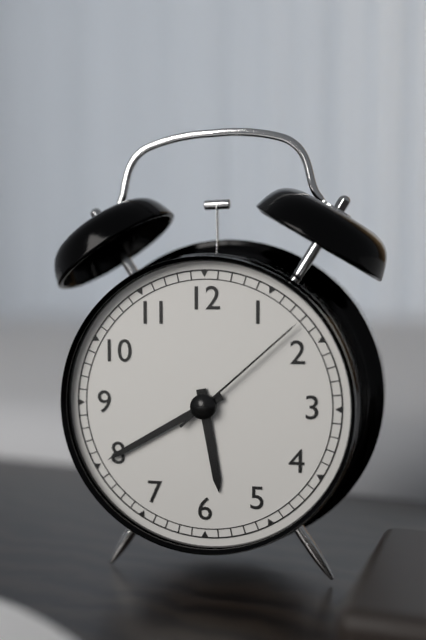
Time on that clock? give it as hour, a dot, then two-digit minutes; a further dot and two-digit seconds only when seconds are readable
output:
5.40.08
